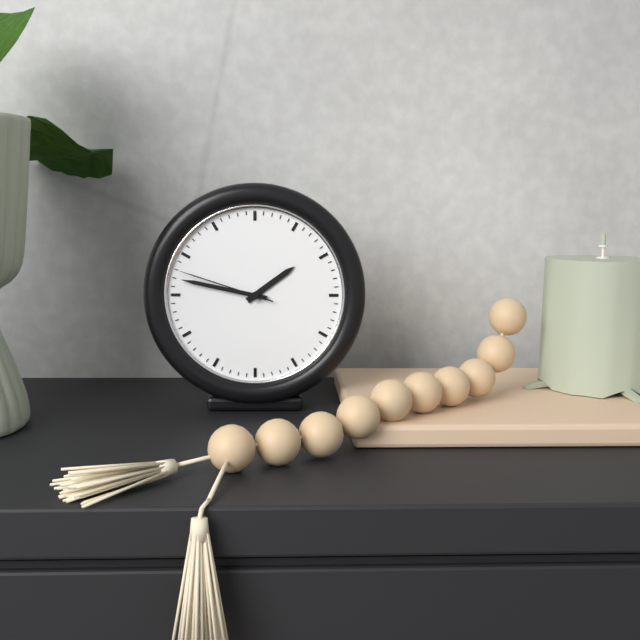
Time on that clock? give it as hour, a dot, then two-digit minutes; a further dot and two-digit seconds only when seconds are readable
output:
1.47.48
